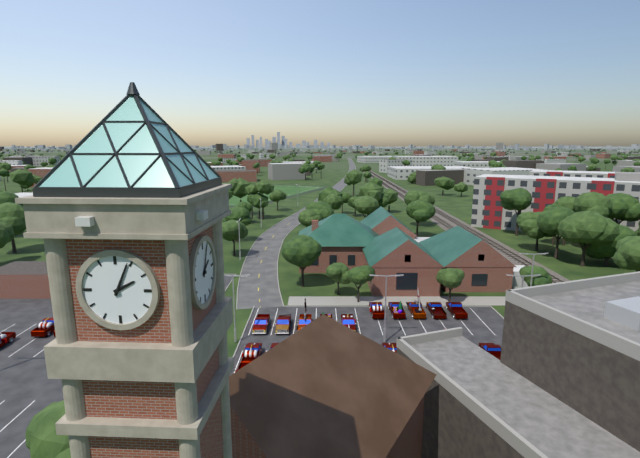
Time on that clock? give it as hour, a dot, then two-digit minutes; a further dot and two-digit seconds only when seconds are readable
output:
2.04
